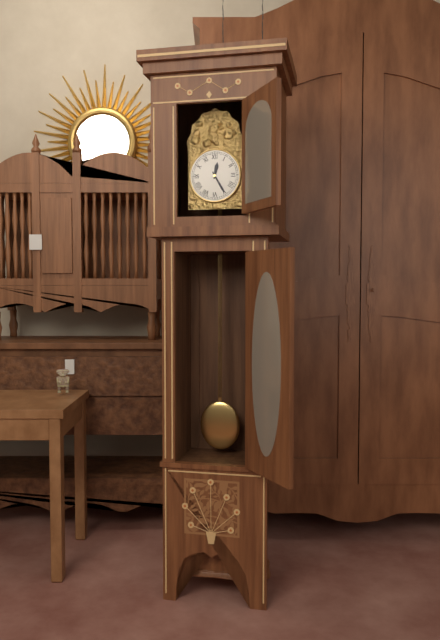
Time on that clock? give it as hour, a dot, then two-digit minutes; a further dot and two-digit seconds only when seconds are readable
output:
12.25
